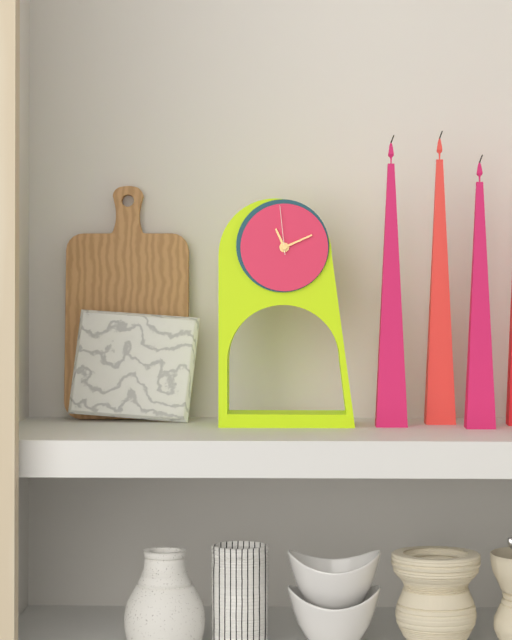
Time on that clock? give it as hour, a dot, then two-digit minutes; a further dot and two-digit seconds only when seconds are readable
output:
11.11.59
